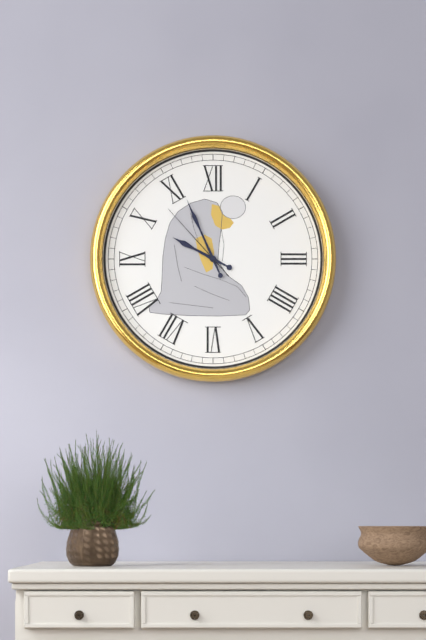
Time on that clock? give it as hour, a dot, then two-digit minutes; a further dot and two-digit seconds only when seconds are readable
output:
9.56.53
